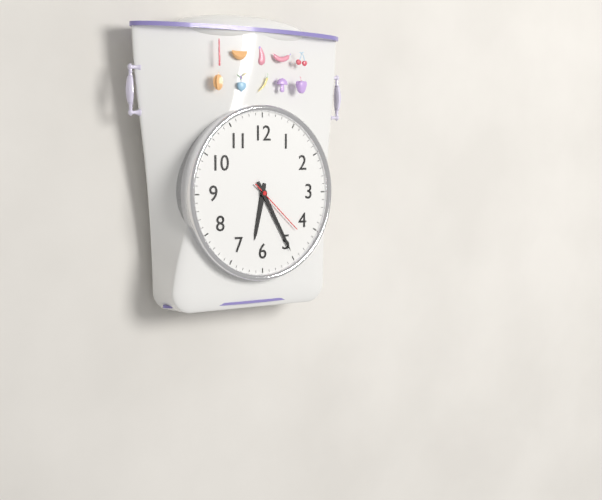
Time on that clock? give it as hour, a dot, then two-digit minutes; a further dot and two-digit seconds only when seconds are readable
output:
6.25.22
